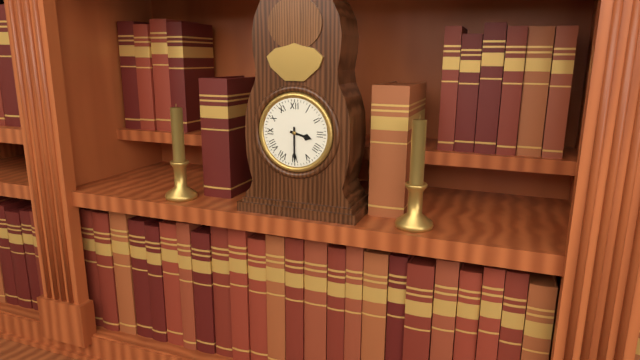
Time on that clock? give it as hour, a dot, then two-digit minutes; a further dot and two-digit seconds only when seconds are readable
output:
3.30
